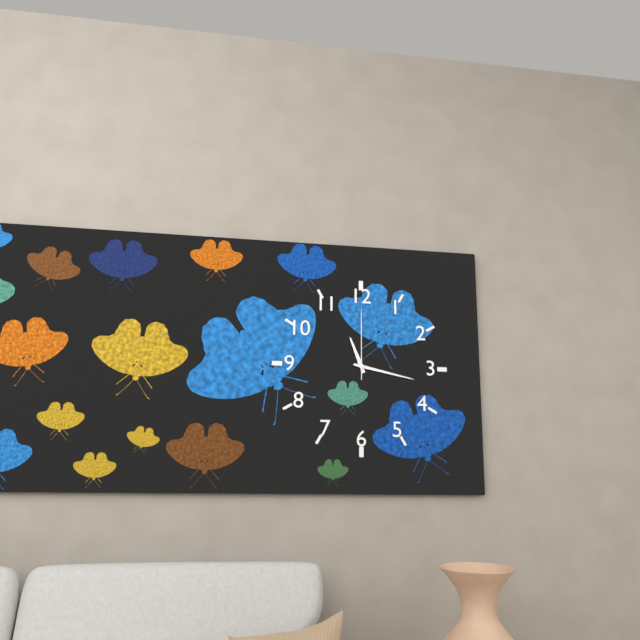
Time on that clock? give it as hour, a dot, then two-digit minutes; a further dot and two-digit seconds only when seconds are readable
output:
11.17.00
